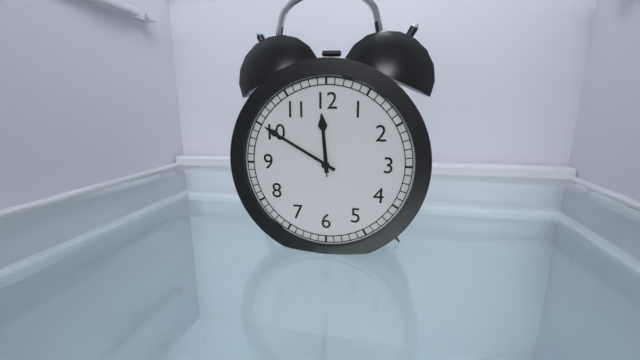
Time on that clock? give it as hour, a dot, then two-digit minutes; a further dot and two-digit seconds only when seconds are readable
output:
11.50.59
